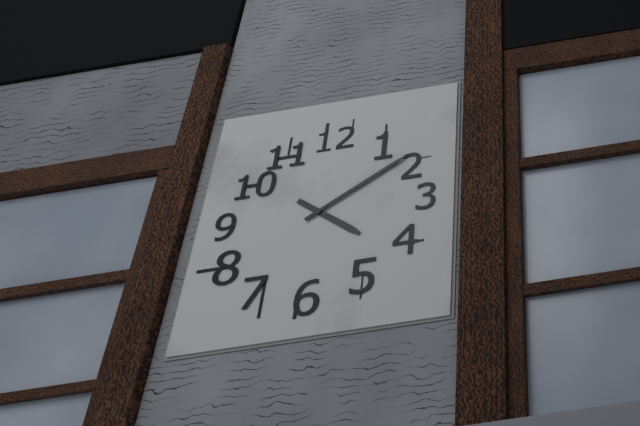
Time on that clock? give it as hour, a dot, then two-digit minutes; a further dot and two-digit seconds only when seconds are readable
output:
4.10
